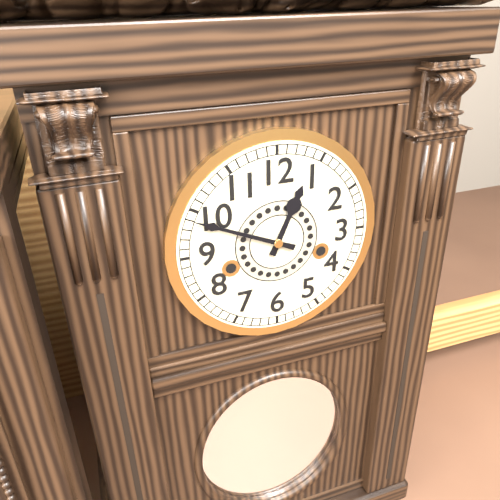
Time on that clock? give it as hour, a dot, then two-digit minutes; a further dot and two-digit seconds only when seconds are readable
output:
12.49
